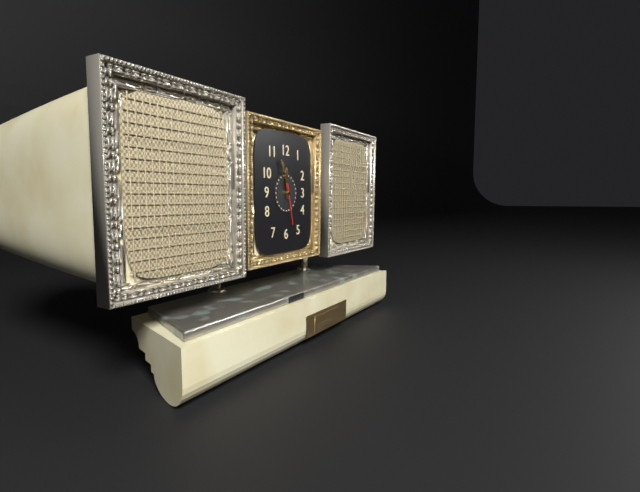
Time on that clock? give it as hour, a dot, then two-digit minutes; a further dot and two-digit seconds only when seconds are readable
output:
11.57
